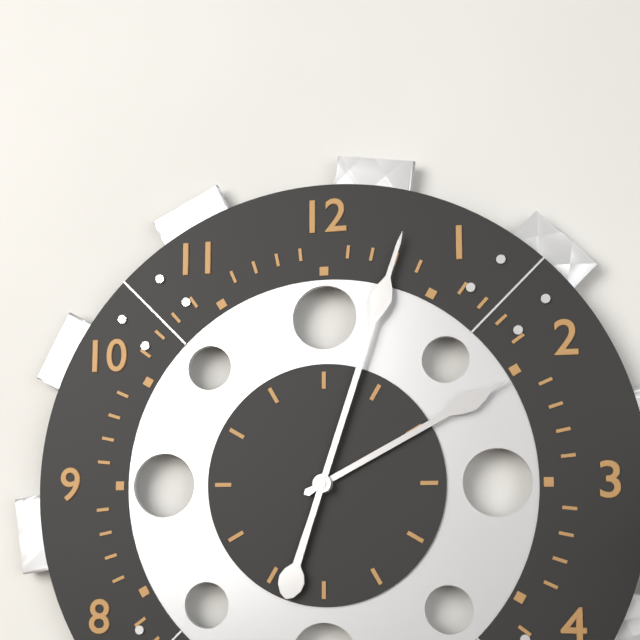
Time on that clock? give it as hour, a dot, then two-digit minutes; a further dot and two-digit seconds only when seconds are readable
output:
2.03
